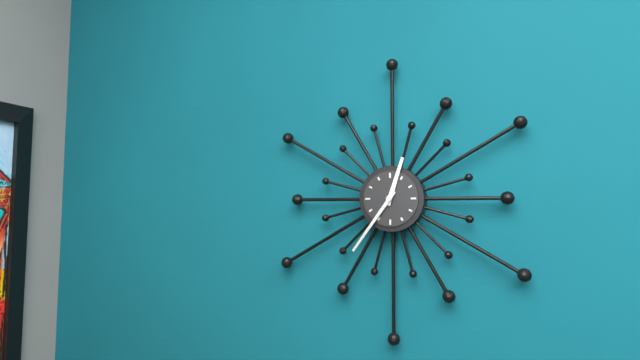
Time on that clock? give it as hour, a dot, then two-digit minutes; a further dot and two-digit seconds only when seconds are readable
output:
12.36
